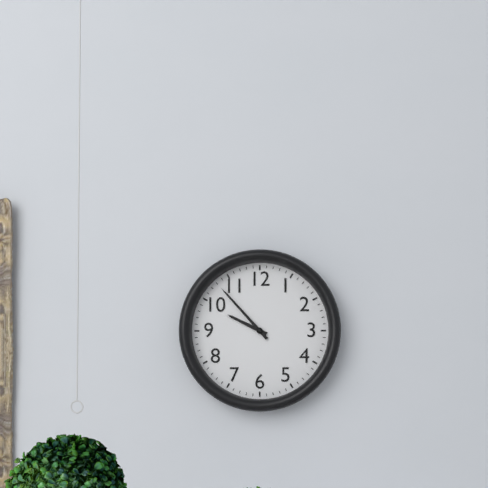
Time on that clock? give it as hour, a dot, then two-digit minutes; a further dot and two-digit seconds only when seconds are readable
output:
9.53
